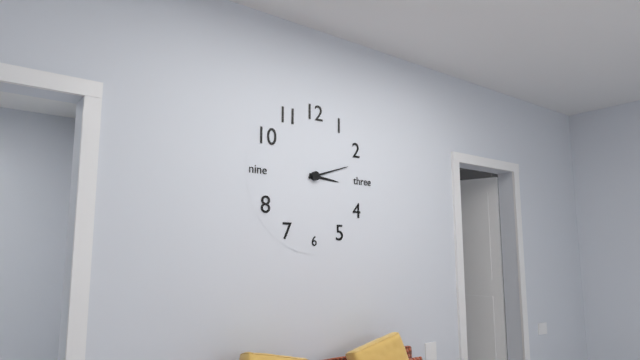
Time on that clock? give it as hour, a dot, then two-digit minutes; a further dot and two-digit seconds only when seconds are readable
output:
3.12
